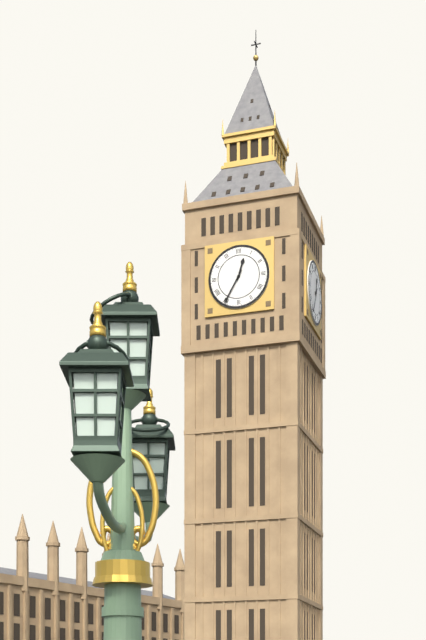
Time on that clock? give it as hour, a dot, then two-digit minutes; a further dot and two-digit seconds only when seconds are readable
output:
12.35
